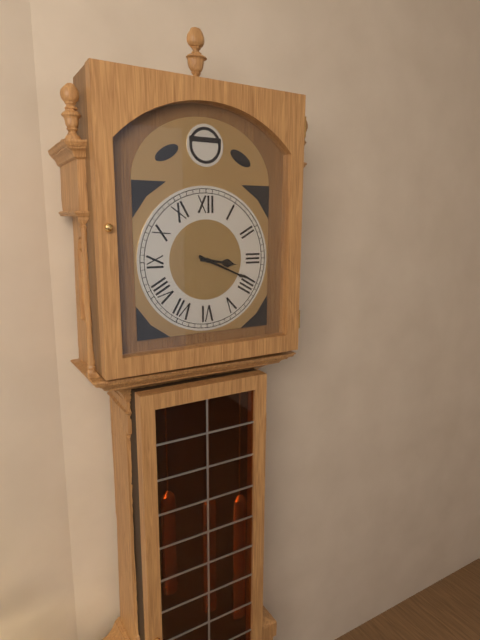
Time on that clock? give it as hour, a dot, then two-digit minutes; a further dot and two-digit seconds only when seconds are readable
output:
3.19
